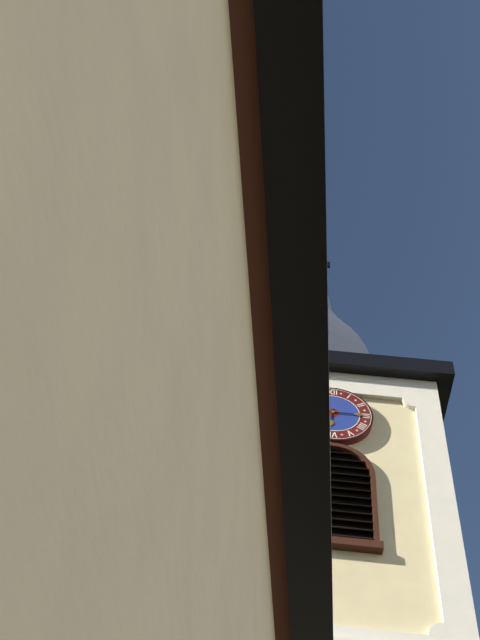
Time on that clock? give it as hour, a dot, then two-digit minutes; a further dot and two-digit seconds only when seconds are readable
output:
6.15
